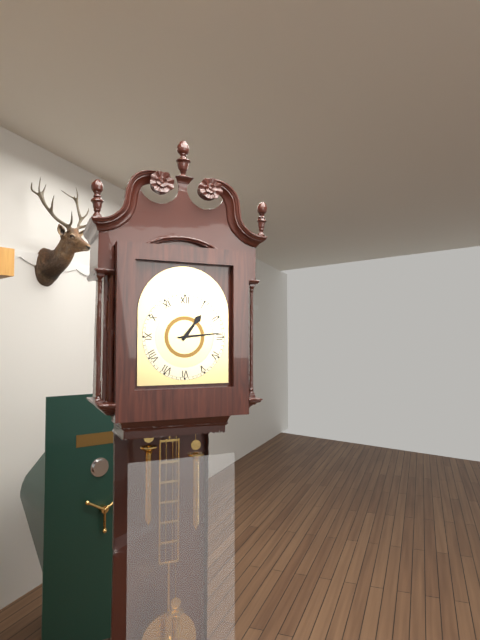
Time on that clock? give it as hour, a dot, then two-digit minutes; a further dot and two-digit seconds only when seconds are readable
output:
1.14
